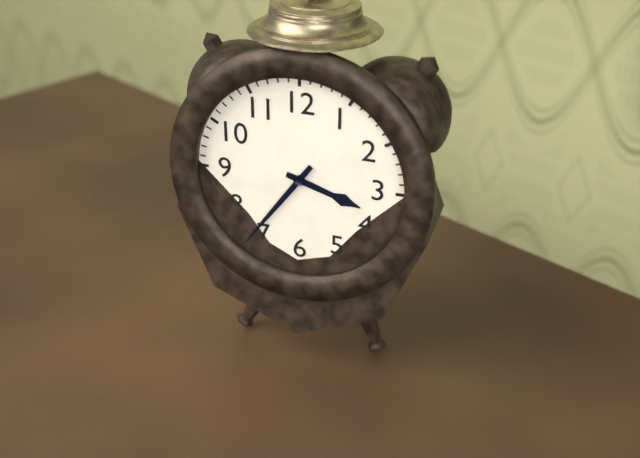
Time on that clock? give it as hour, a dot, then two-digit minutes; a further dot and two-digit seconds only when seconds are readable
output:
3.36
